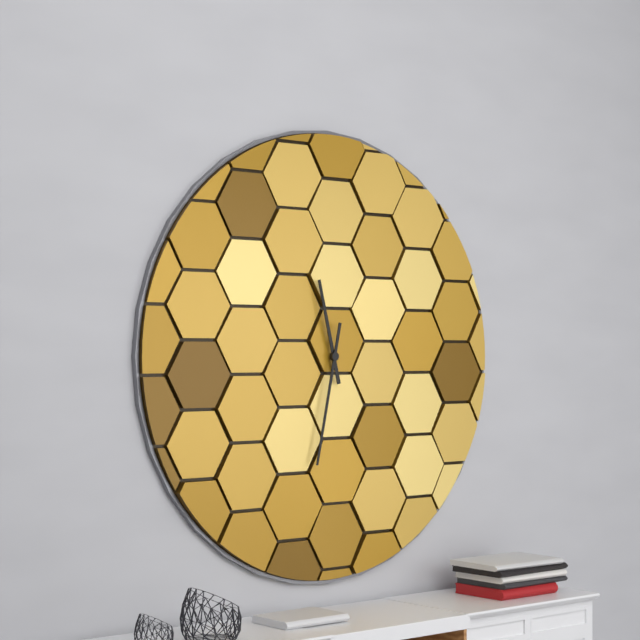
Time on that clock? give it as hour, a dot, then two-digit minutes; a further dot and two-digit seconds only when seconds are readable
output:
11.32
